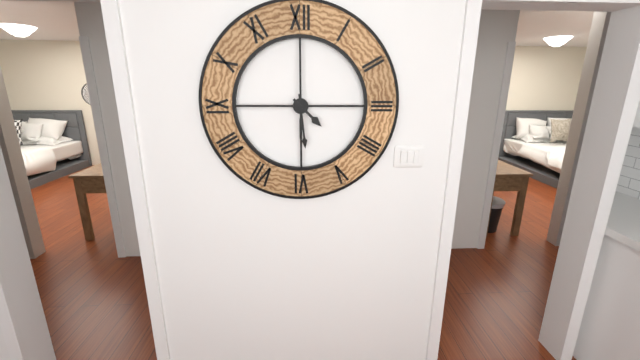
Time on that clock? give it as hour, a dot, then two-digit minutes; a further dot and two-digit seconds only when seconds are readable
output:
4.29.00
